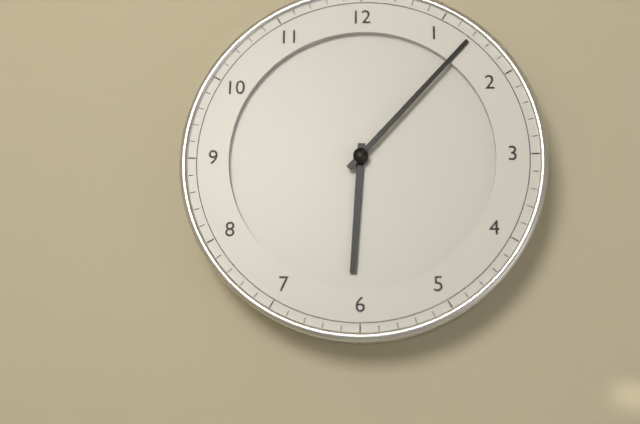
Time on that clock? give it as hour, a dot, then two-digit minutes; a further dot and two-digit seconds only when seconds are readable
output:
6.07
